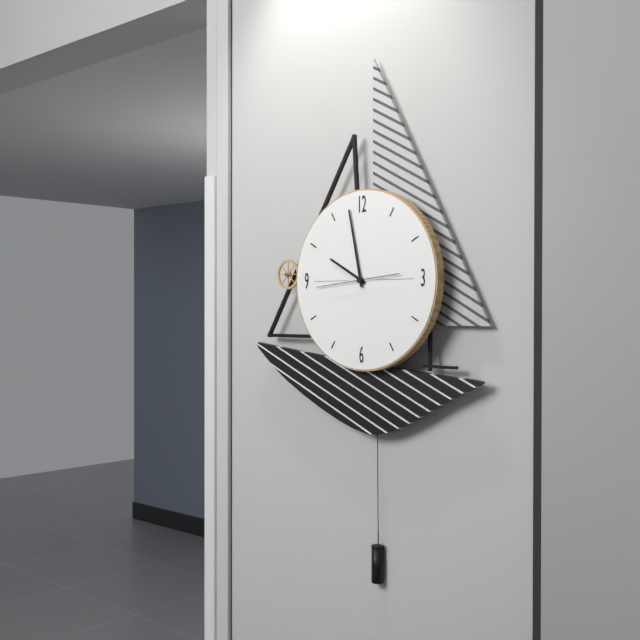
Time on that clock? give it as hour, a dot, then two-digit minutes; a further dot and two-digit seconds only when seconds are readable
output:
9.58.44
